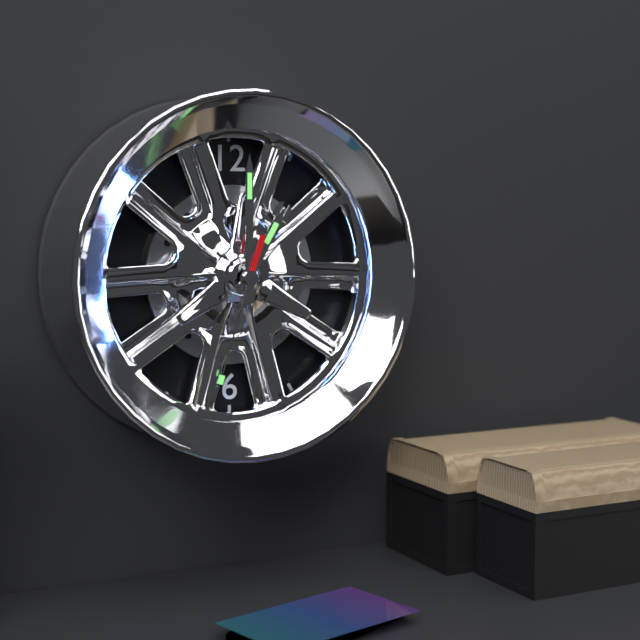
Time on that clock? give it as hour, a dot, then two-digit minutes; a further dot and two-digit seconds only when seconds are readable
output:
1.00.33
